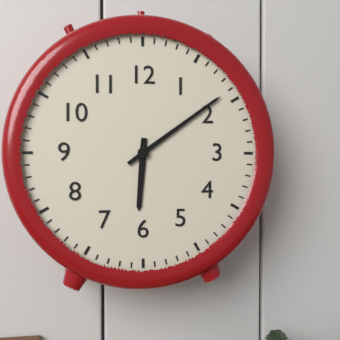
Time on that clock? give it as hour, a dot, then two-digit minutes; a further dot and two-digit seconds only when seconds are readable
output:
6.09
